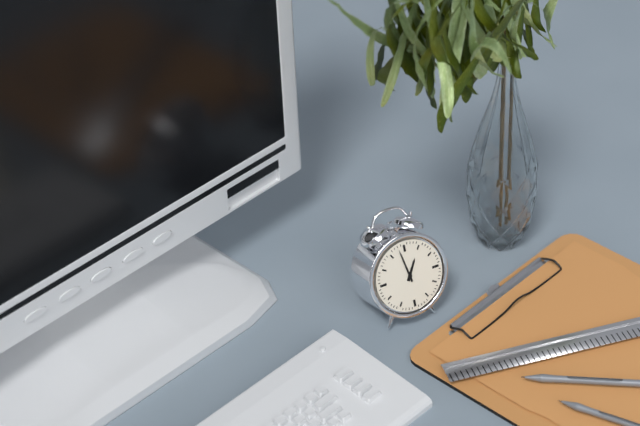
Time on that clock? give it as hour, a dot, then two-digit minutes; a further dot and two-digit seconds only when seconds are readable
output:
12.58
